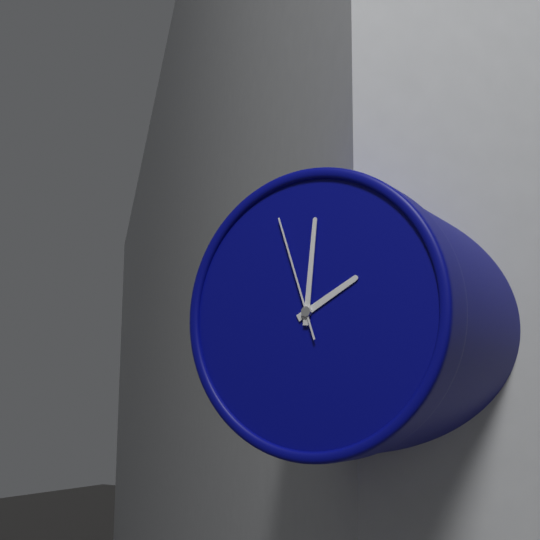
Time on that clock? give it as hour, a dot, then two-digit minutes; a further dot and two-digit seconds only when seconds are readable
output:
2.01.57
